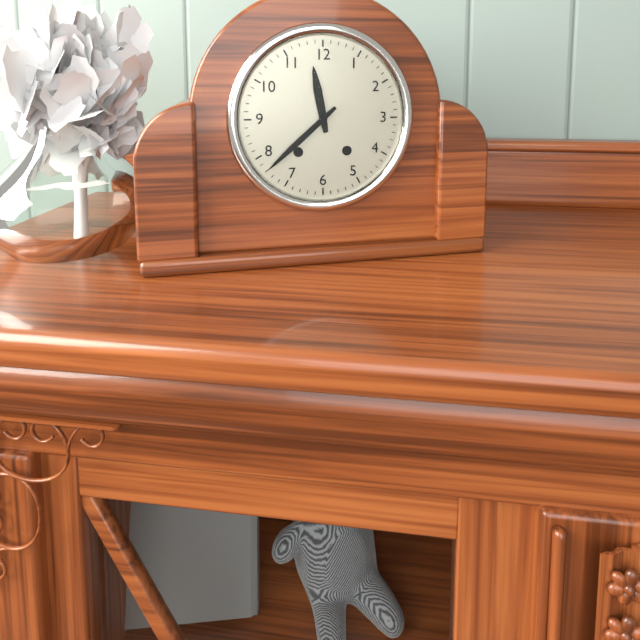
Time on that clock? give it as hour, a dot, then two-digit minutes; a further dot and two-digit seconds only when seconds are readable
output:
11.38
